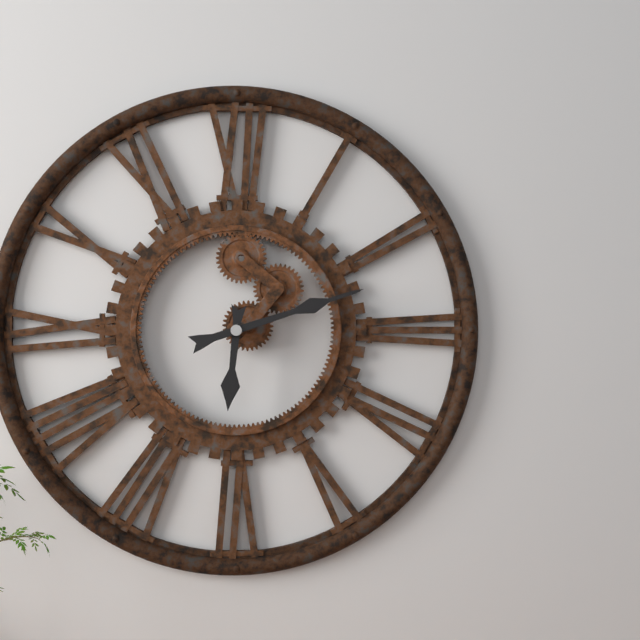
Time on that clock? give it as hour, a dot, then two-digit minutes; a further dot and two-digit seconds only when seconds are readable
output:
6.12
